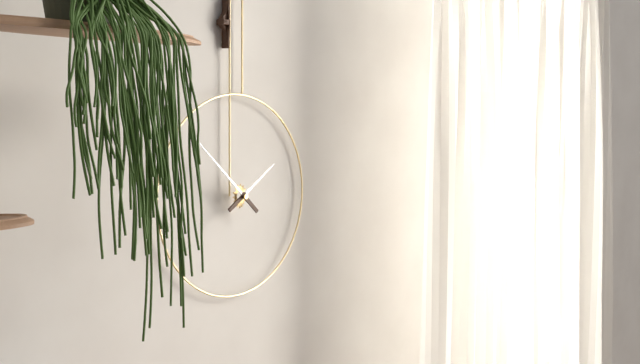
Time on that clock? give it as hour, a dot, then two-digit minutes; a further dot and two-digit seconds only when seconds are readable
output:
1.52
